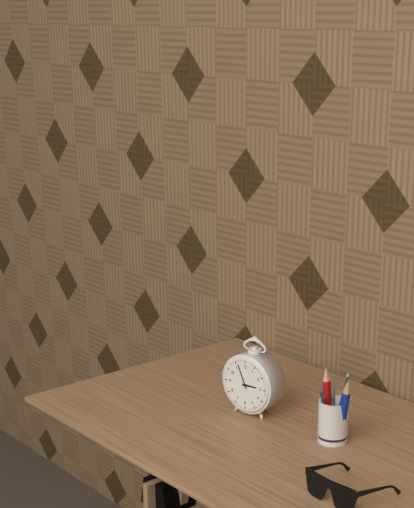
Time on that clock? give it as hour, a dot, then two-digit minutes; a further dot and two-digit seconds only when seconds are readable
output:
2.56
